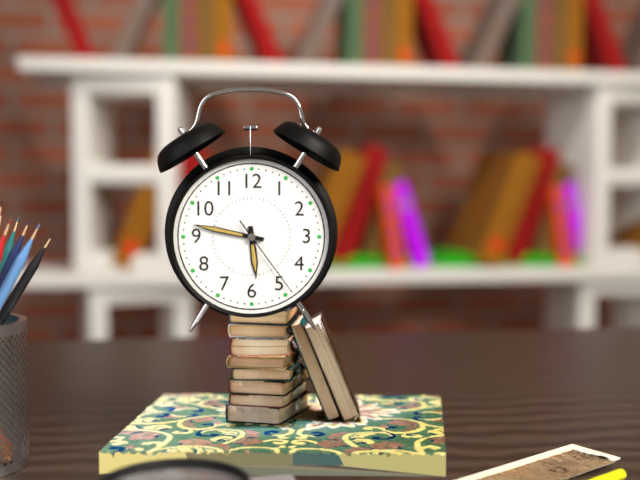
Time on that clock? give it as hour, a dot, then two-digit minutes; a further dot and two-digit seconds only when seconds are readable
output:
5.47.24
